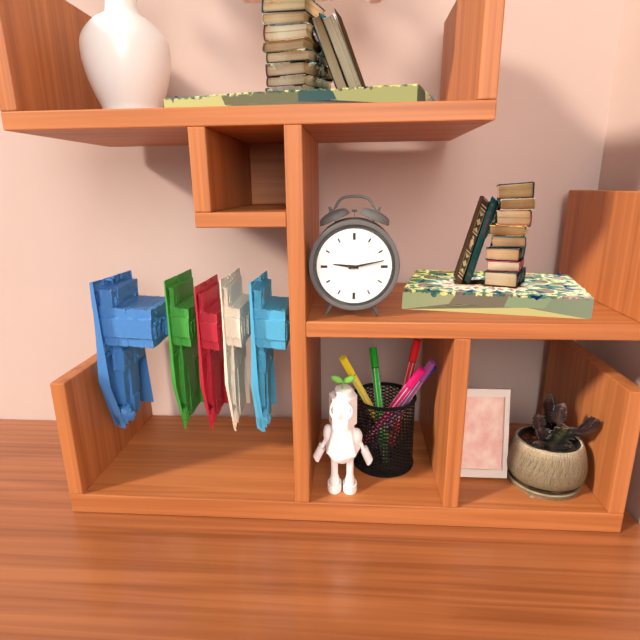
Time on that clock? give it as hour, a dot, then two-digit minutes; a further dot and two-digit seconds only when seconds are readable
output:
9.13
